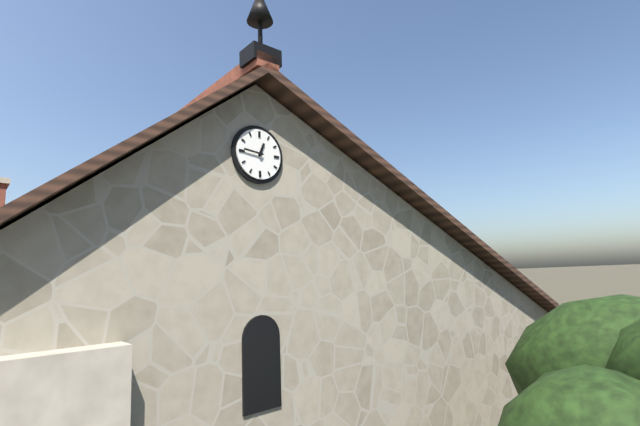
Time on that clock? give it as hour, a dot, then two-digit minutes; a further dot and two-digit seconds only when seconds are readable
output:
12.46
